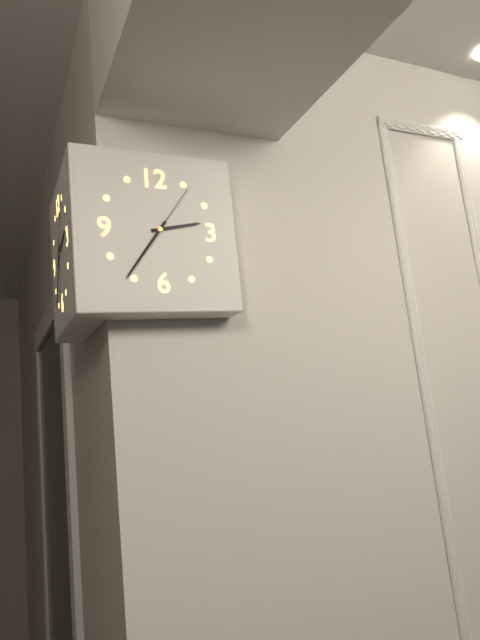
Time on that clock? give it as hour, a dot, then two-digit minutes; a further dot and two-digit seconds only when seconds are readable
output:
2.36.06
